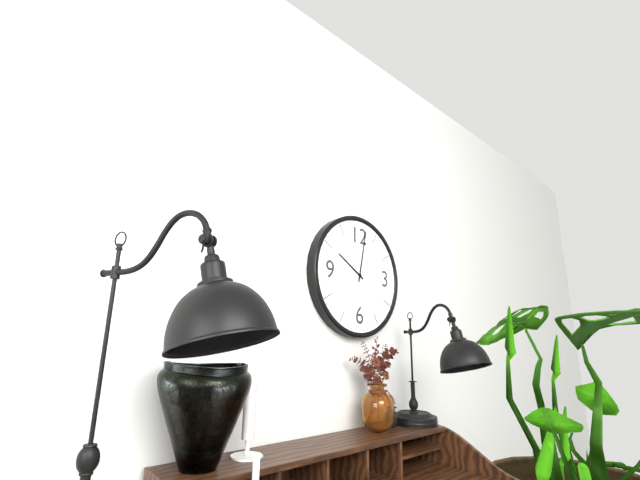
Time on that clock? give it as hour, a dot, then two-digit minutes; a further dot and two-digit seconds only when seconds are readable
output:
10.02
